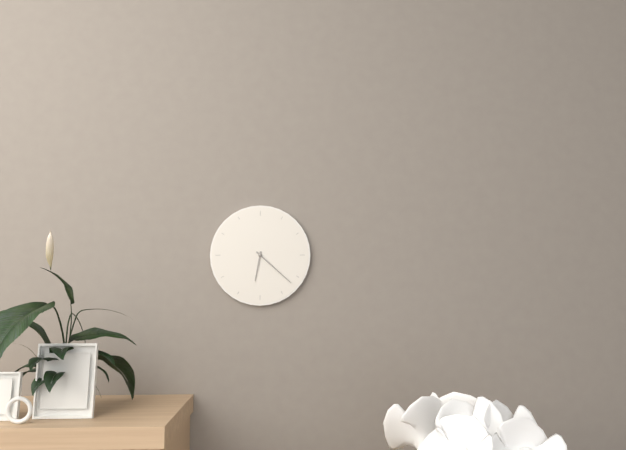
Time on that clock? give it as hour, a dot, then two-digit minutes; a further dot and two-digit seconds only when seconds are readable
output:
6.22
